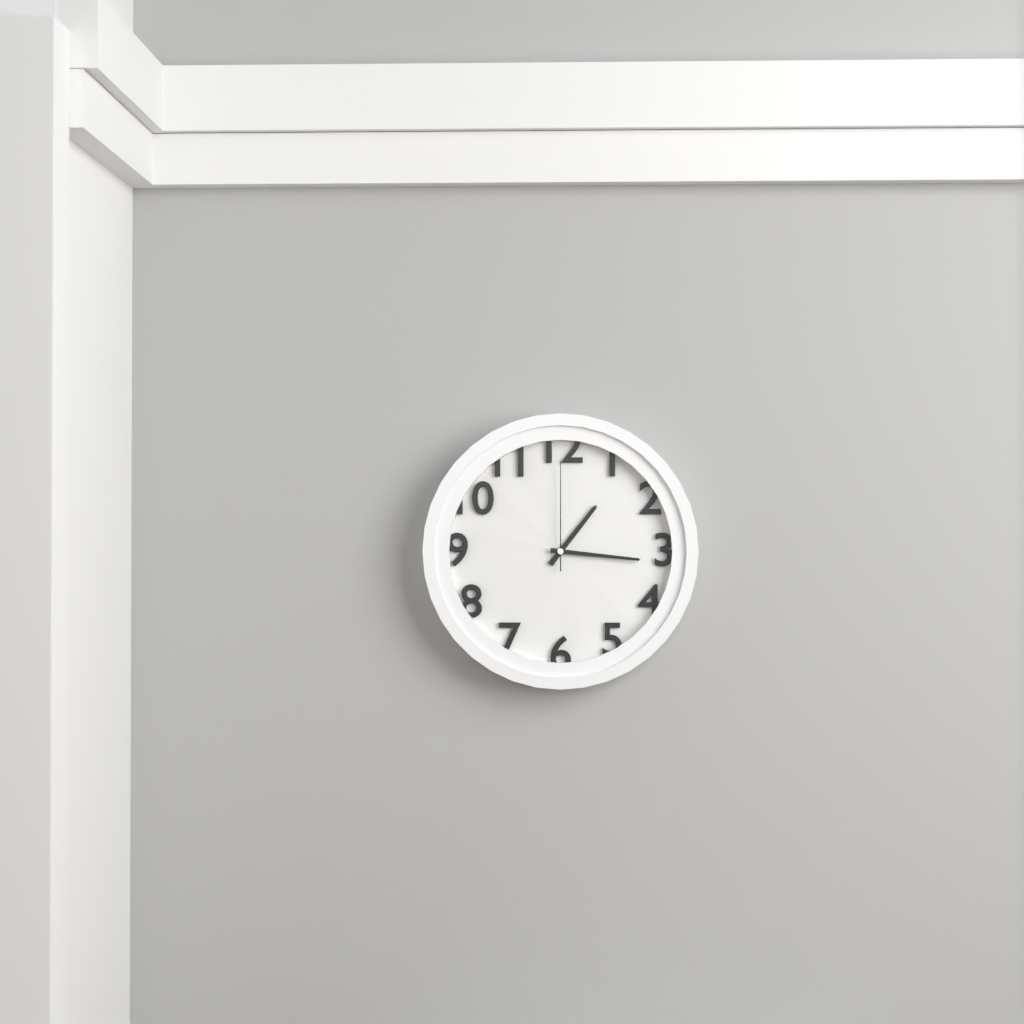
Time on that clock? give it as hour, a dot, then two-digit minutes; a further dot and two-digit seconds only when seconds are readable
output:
1.16.00
